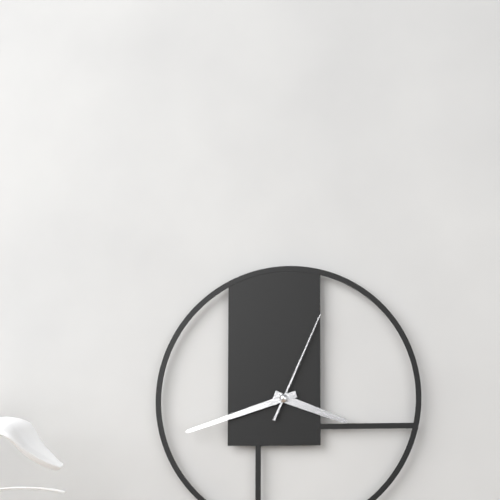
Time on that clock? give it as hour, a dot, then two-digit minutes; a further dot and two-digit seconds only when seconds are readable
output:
3.42.04
